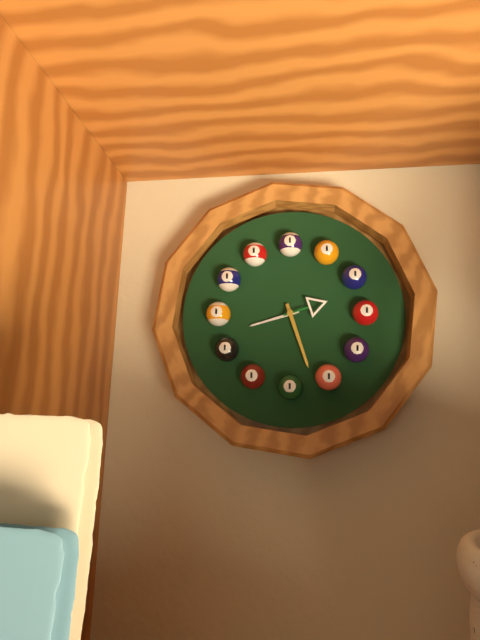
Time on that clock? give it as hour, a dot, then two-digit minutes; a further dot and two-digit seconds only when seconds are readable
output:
8.27.12
